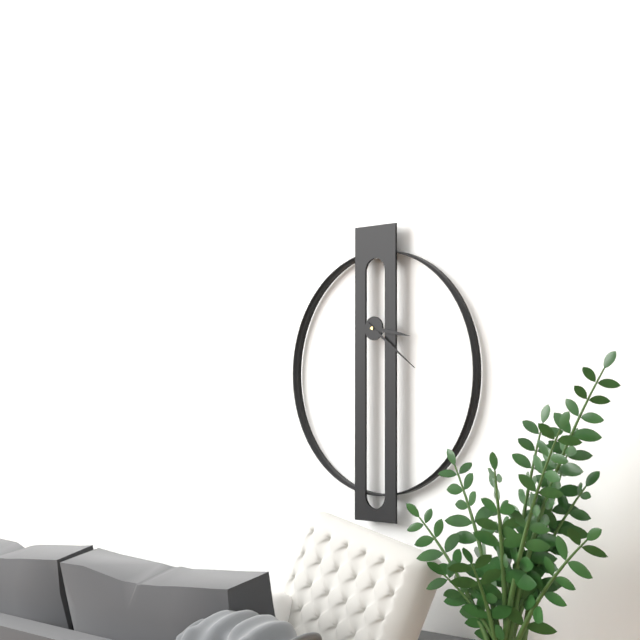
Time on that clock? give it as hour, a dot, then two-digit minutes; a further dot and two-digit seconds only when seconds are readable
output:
3.21
